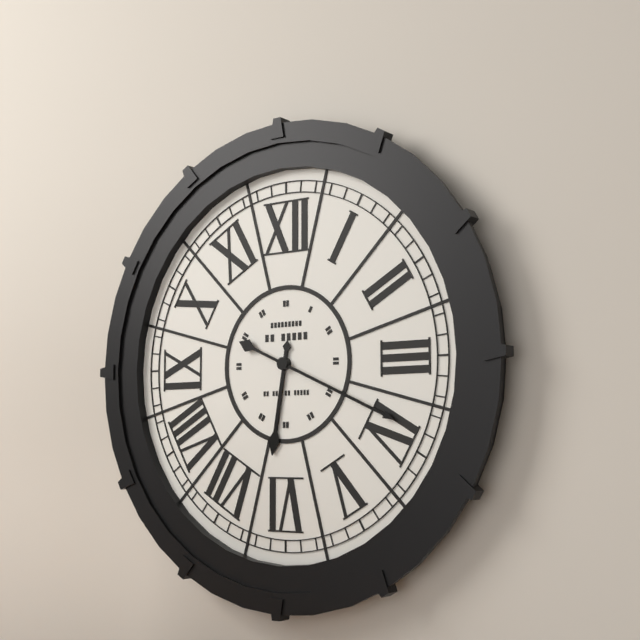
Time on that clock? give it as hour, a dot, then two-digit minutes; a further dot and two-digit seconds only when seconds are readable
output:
6.19
